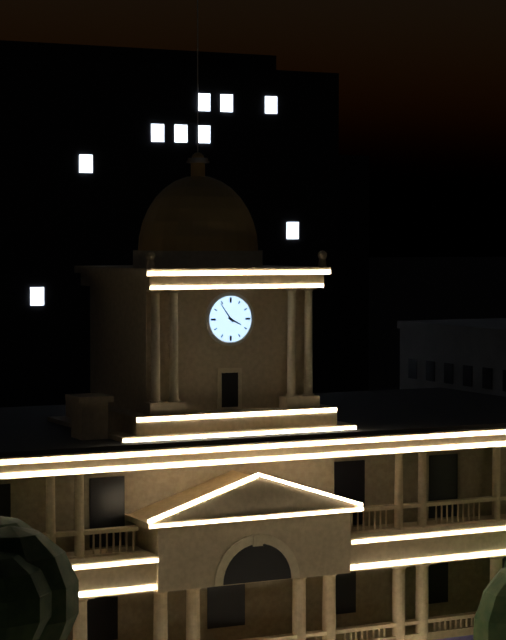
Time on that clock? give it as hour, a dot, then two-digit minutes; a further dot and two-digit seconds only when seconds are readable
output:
3.54
